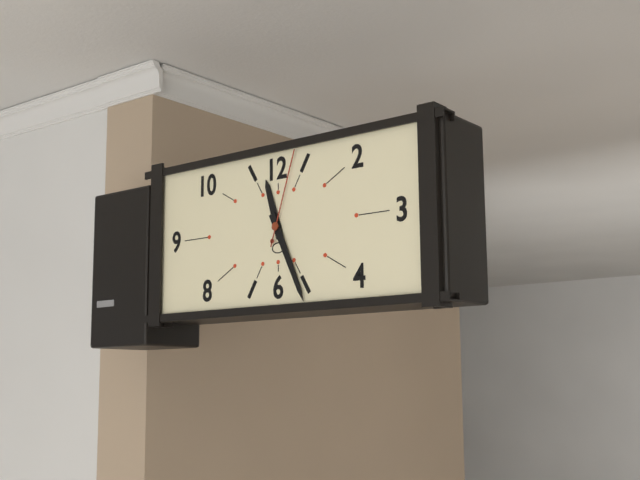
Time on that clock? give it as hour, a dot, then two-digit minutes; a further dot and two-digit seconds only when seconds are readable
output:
11.26.03
